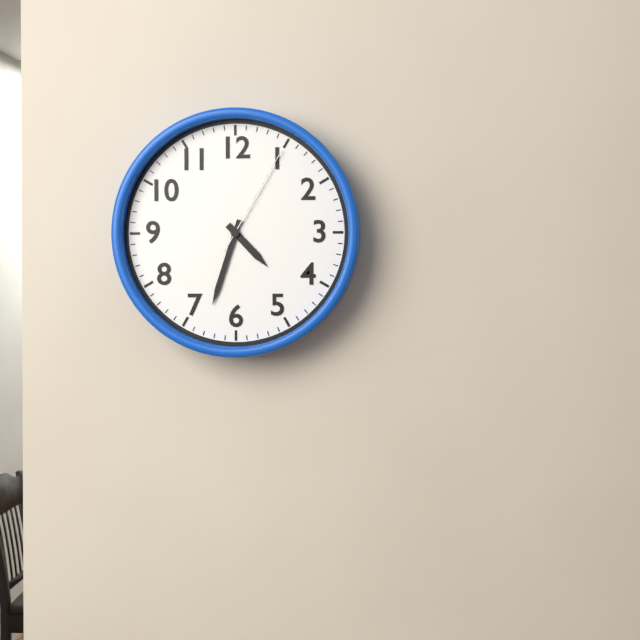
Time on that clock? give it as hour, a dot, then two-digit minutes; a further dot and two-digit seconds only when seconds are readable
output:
4.33.05
